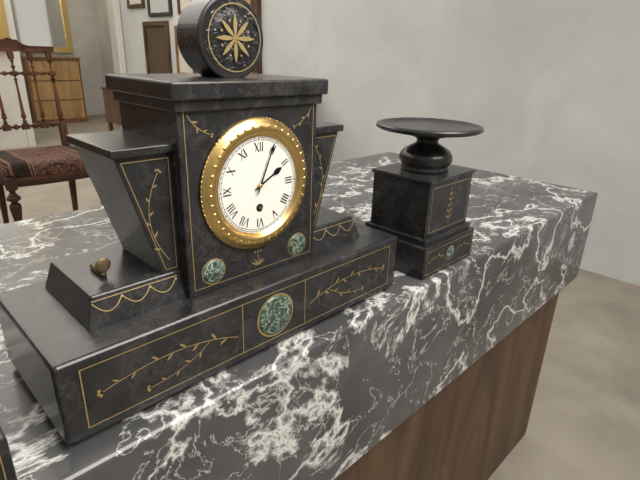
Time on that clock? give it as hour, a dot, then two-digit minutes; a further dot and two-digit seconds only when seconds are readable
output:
2.04
